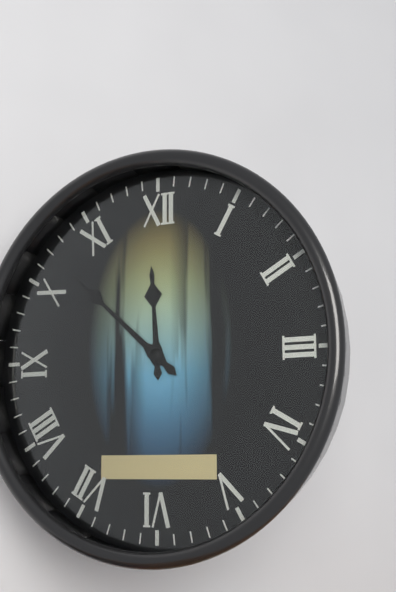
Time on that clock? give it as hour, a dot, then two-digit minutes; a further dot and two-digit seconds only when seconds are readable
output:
11.52
